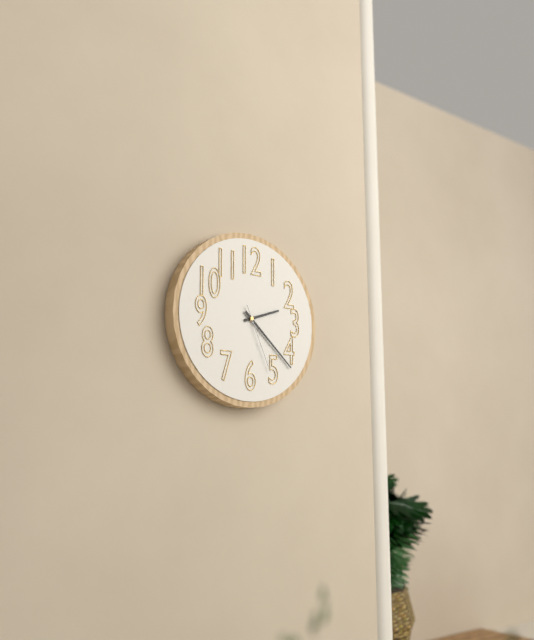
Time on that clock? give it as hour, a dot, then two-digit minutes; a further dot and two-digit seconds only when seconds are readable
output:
2.22.26
